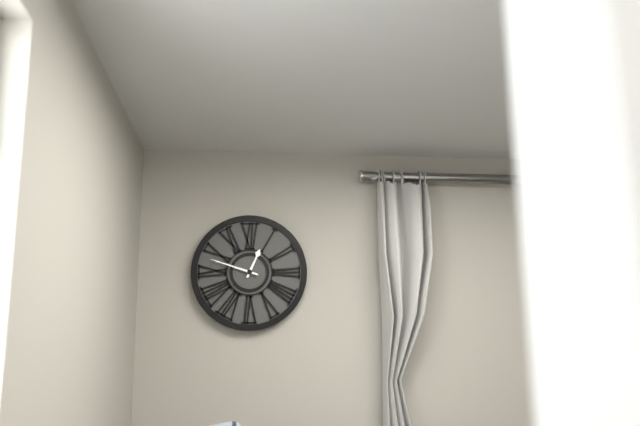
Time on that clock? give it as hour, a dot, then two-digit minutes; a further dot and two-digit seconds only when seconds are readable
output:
12.48
